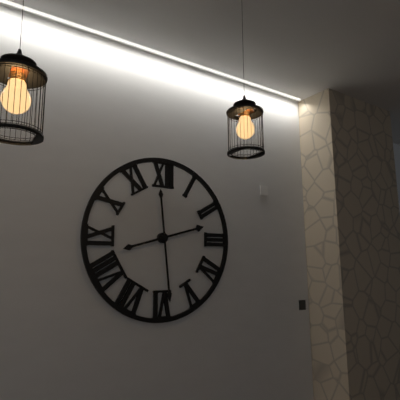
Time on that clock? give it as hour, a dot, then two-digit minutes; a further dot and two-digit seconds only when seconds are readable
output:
2.29
